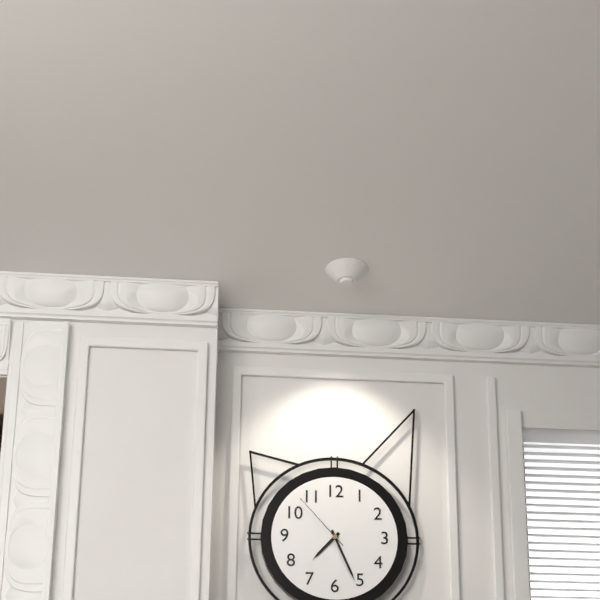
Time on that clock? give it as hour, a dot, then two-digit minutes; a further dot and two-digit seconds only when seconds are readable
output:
7.26.53
